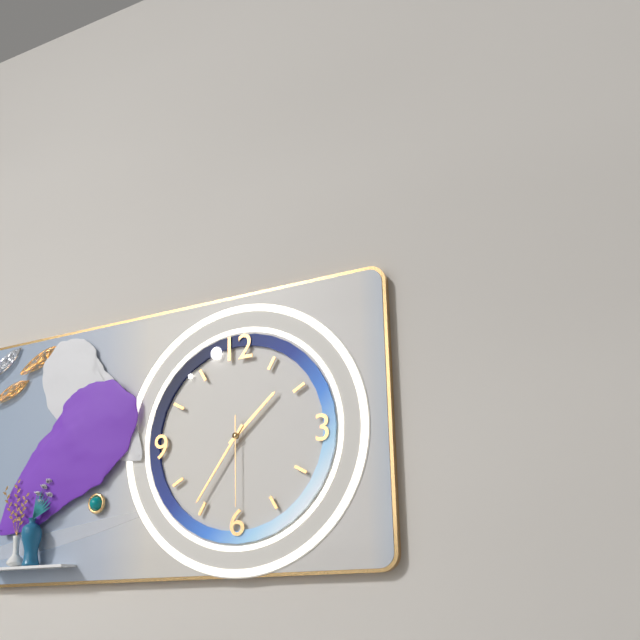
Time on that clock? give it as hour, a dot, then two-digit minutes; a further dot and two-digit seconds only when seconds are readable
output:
1.36.30
